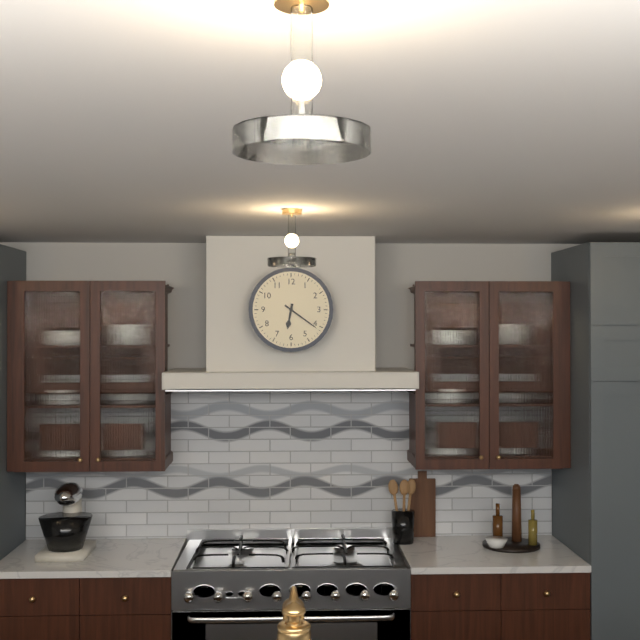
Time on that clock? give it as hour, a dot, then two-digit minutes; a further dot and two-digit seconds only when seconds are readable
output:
6.21
